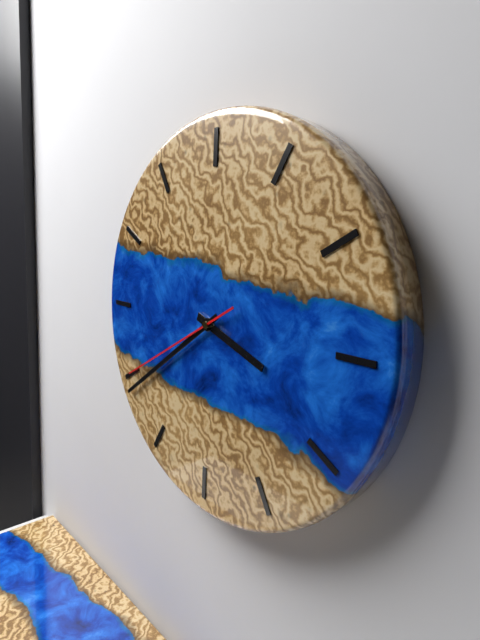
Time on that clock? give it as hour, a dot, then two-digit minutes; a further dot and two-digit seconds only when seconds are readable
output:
3.39.40
